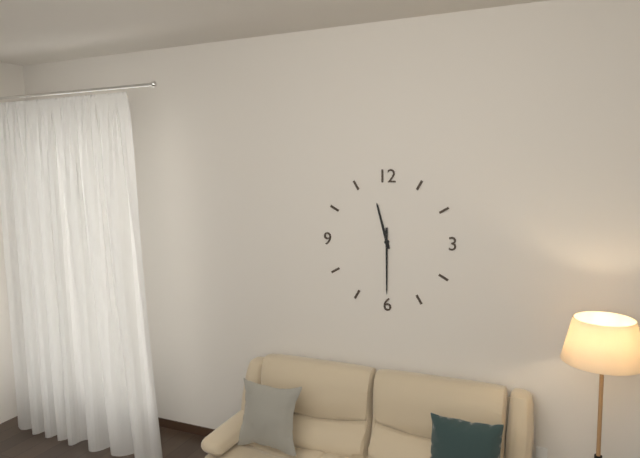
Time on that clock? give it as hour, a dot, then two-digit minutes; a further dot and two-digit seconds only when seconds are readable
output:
11.30
